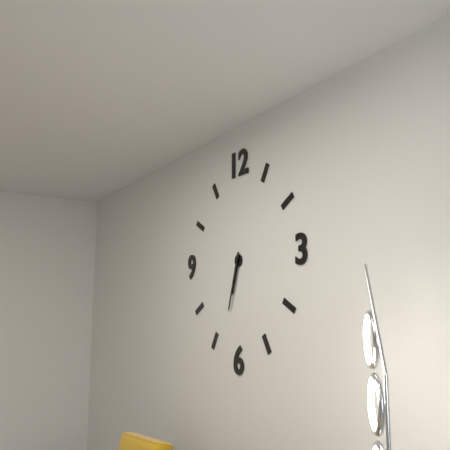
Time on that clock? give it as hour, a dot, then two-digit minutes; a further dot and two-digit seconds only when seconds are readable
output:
6.33
